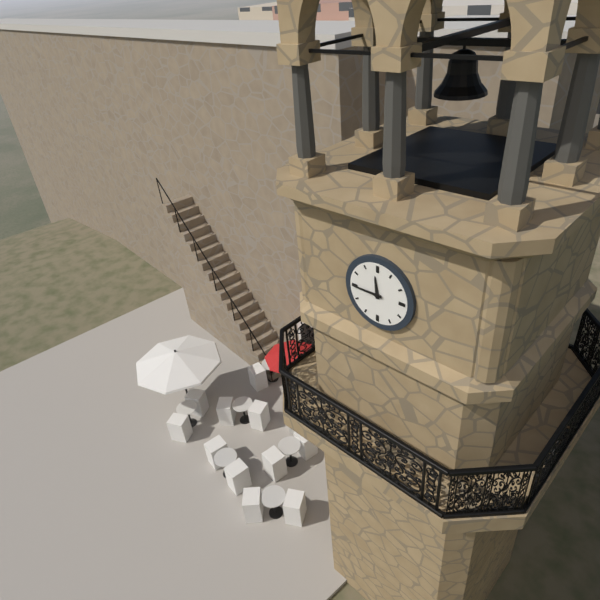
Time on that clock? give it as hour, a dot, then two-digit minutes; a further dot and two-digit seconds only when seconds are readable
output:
11.45
